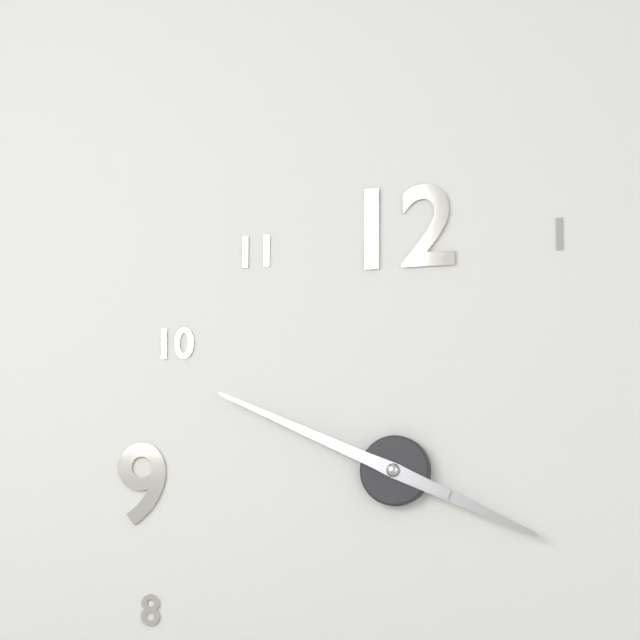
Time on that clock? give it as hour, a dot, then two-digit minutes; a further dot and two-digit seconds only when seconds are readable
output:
3.49
